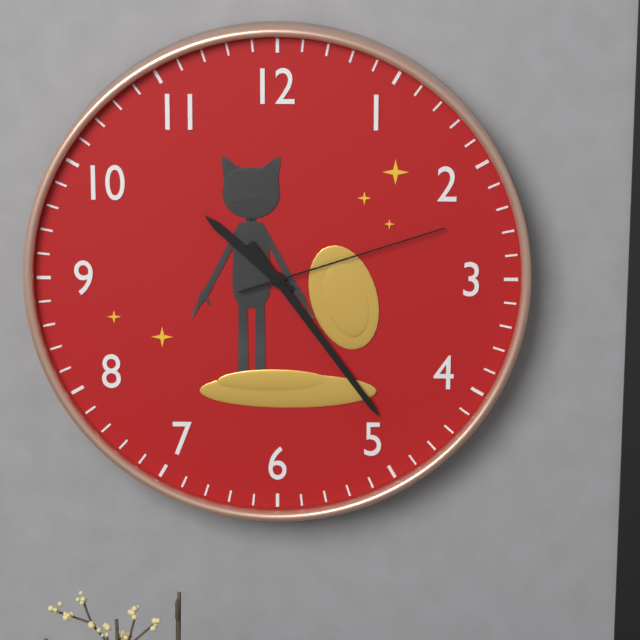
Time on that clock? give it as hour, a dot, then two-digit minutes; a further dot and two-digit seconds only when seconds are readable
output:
10.24.12
